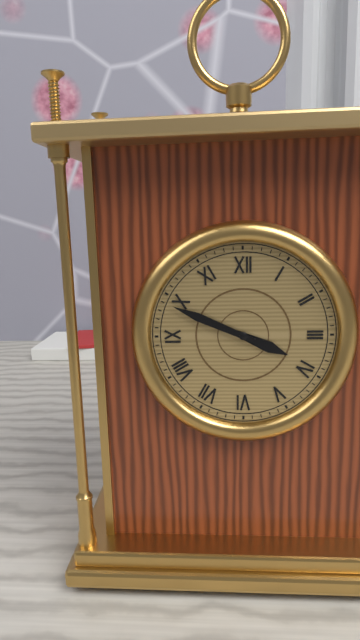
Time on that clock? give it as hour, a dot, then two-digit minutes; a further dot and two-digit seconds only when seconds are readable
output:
3.49
